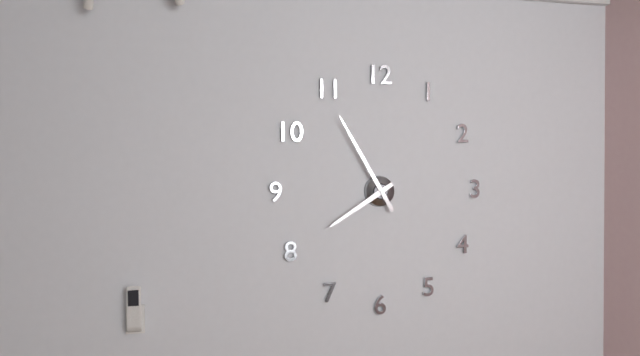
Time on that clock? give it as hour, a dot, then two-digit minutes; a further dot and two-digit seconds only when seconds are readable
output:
7.55
